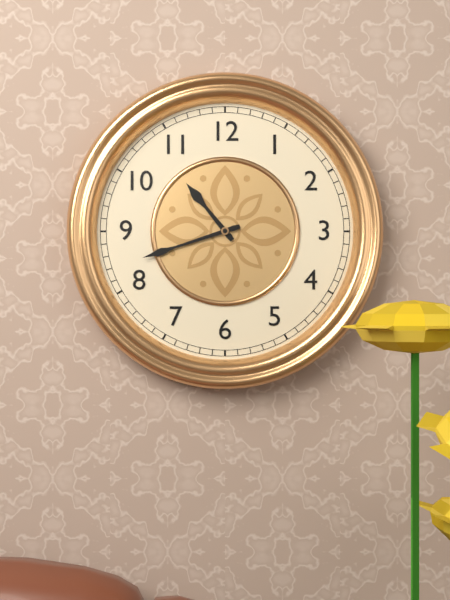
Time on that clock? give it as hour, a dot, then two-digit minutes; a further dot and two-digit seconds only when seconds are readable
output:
10.42
